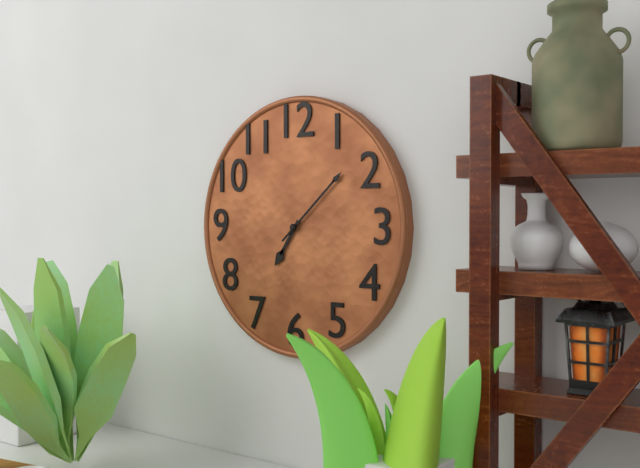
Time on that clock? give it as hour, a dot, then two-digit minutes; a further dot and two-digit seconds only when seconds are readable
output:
7.08
